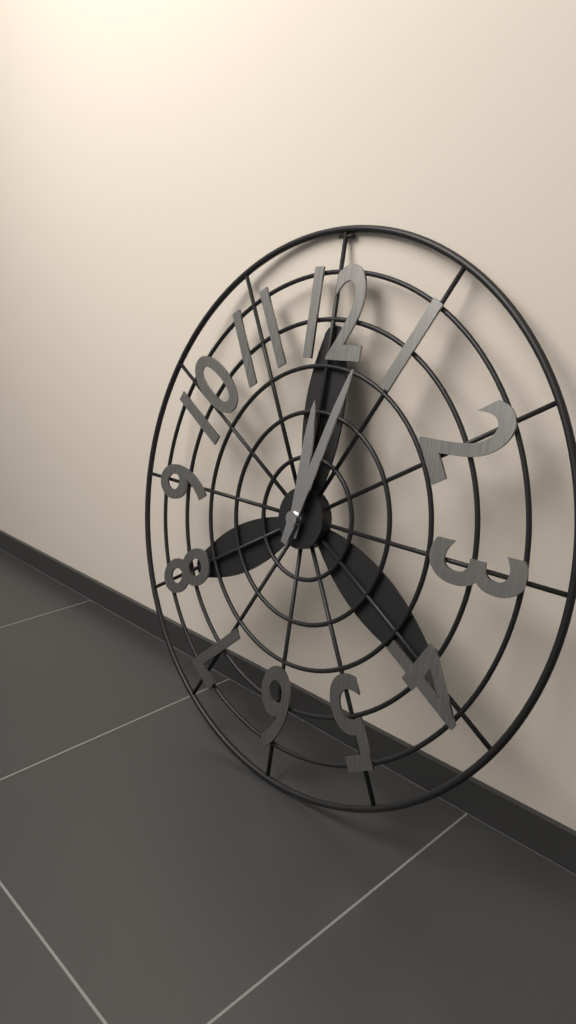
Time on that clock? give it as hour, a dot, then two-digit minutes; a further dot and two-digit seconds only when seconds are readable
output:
12.03
